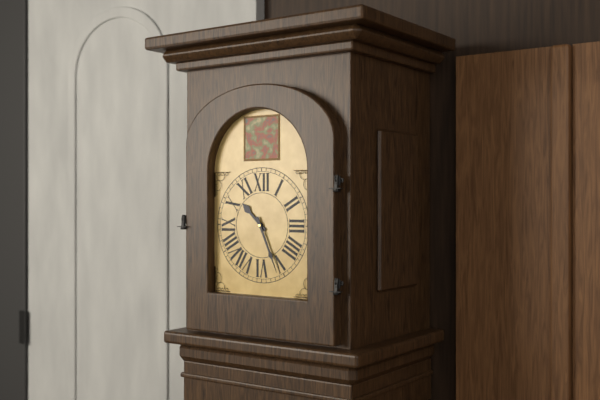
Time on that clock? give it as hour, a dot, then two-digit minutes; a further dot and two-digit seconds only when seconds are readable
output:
10.26
